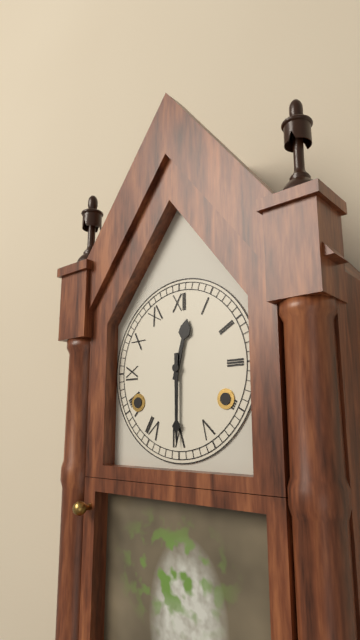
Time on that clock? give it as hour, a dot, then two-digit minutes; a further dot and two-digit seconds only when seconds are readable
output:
12.30
